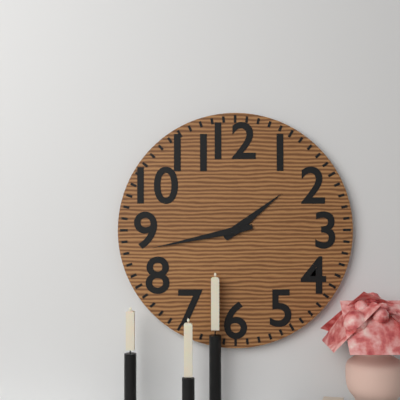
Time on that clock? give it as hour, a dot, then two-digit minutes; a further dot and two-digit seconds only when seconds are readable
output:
1.43
